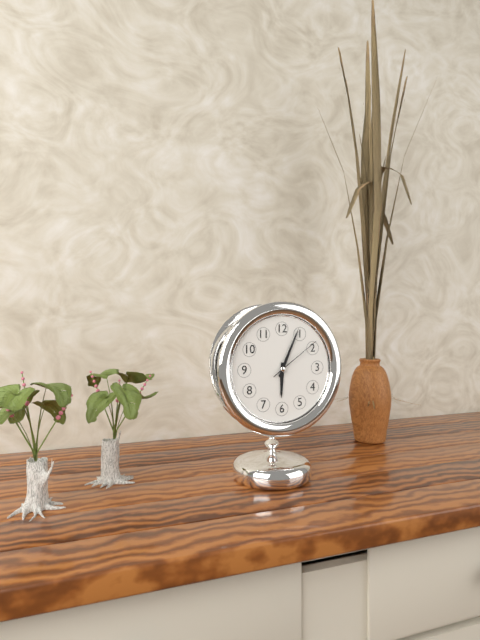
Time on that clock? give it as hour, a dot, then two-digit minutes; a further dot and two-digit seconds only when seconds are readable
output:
6.04.09
